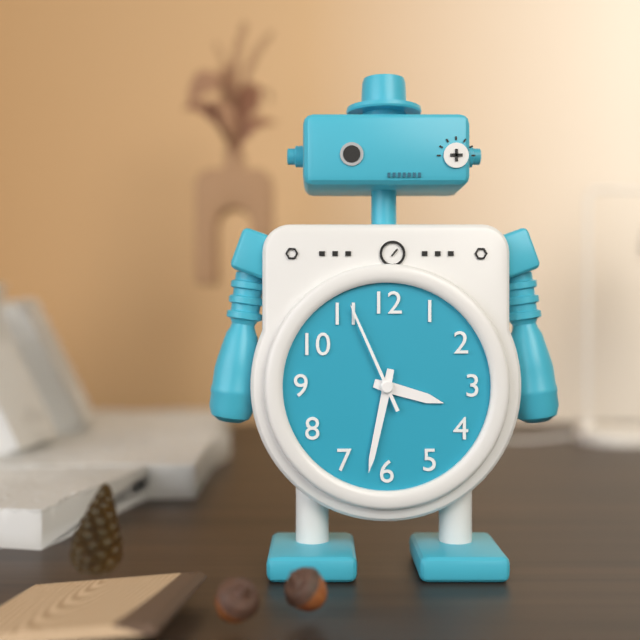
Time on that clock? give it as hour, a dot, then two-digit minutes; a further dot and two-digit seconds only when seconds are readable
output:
3.32.56
